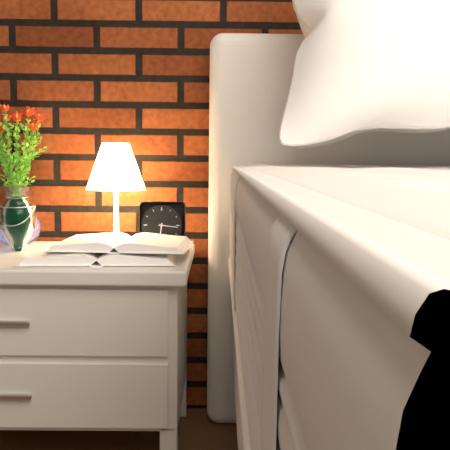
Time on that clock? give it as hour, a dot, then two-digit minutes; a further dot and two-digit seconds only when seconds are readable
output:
6.16
